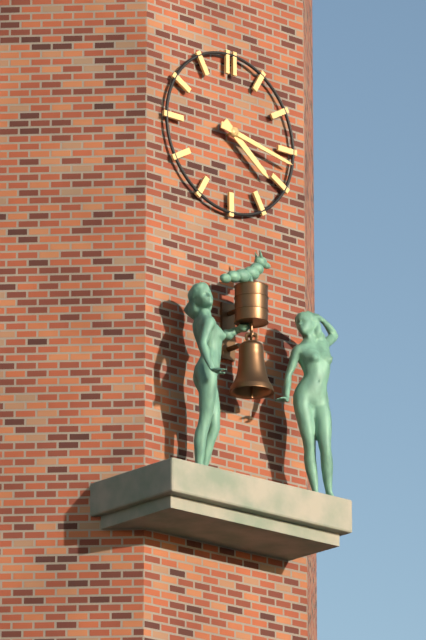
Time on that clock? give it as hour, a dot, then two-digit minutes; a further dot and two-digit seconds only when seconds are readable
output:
4.17
